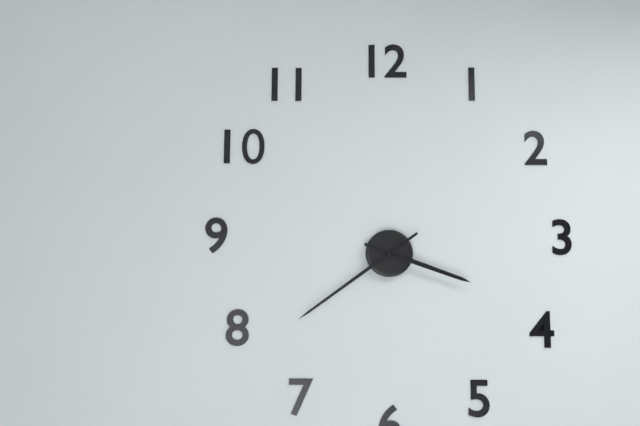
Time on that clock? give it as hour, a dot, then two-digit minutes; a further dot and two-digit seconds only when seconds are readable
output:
3.39
